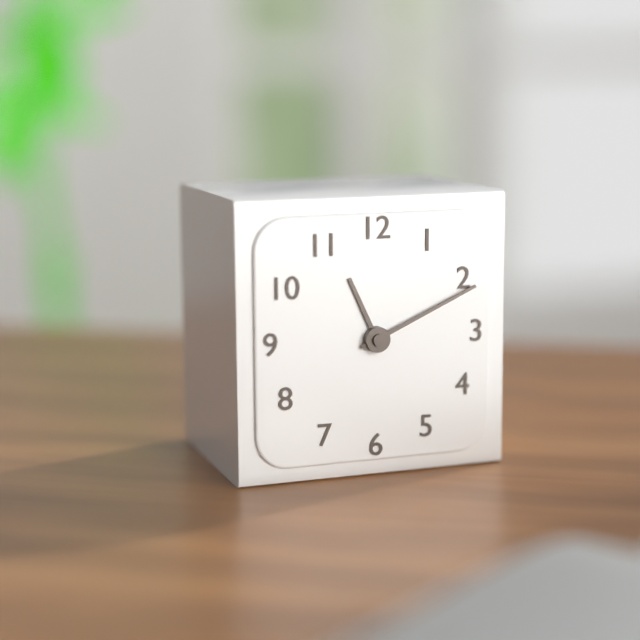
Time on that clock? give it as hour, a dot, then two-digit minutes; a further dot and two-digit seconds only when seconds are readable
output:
11.11
